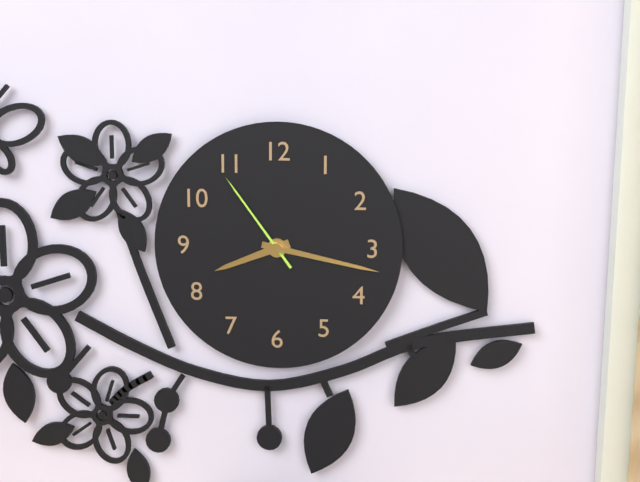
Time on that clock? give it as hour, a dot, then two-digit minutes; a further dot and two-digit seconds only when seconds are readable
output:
8.17.54
